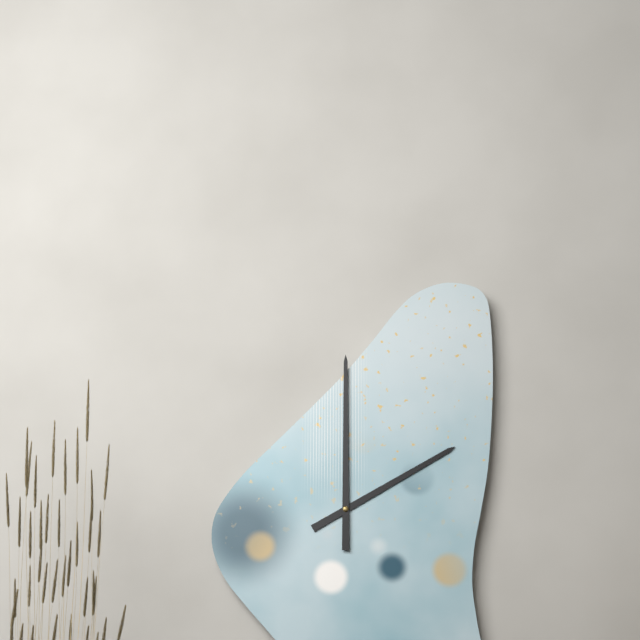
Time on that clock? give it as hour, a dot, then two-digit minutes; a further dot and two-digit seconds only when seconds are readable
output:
2.00
